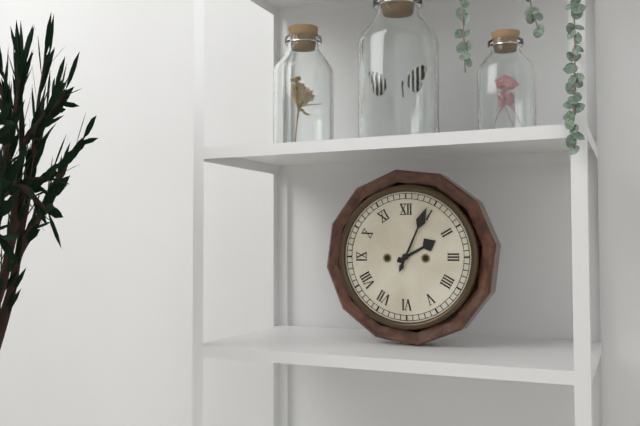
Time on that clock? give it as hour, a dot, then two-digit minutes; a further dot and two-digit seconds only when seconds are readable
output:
2.04
